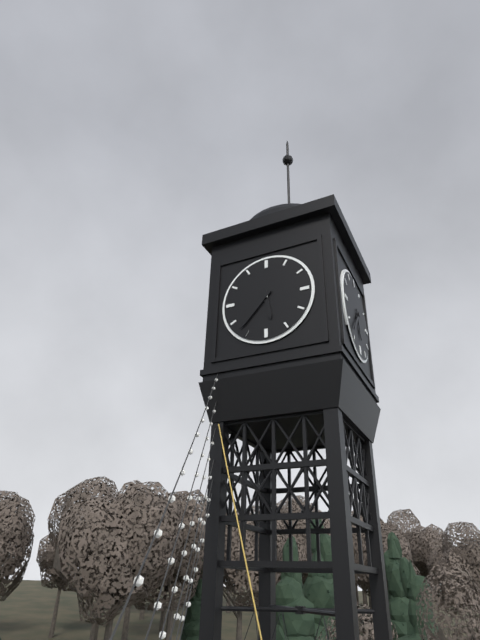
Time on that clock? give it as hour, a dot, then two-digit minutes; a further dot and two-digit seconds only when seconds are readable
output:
5.37
